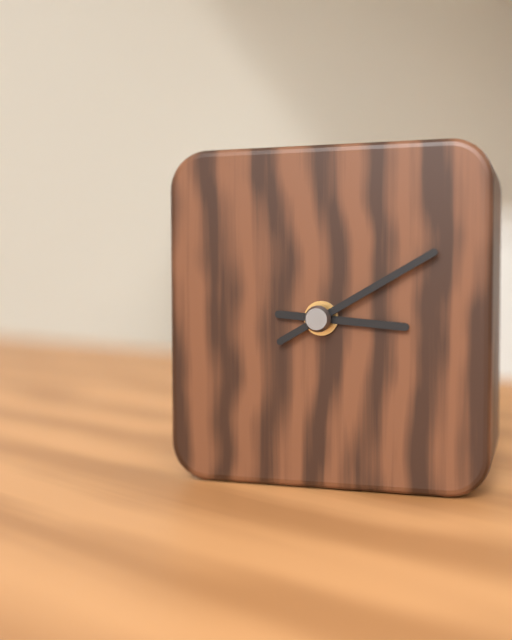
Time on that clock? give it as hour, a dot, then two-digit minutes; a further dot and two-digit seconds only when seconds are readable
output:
3.10
